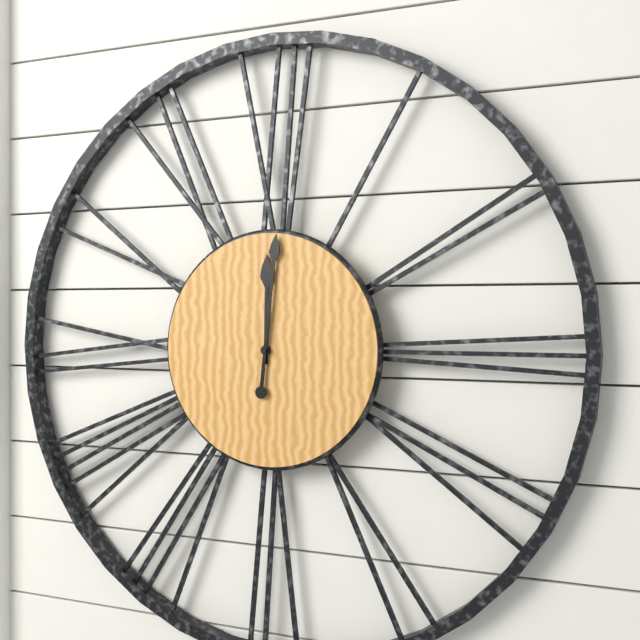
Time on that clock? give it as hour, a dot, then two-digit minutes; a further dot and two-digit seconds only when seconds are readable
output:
12.01
